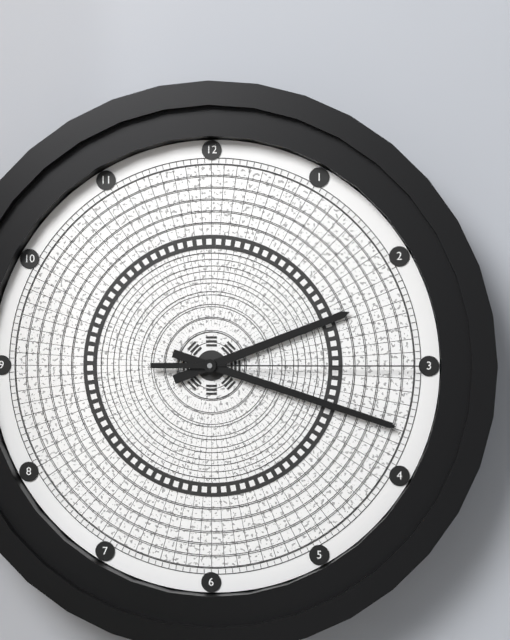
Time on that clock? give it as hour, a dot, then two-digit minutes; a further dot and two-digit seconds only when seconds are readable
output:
2.18.15
